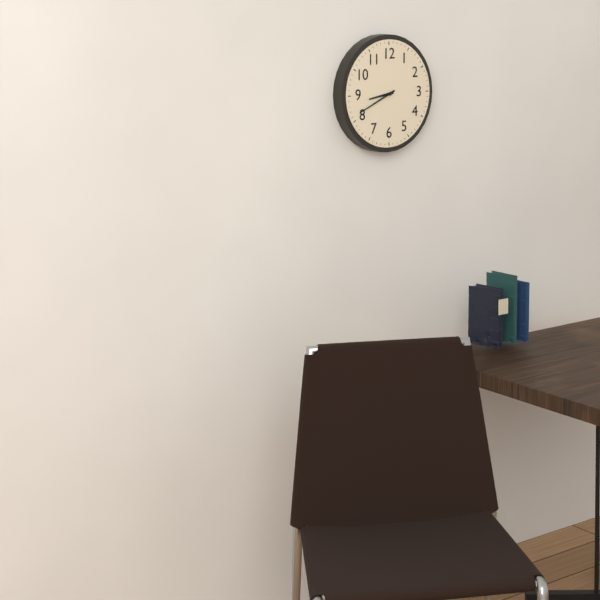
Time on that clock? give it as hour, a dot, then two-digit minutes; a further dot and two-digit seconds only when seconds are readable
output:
8.41
